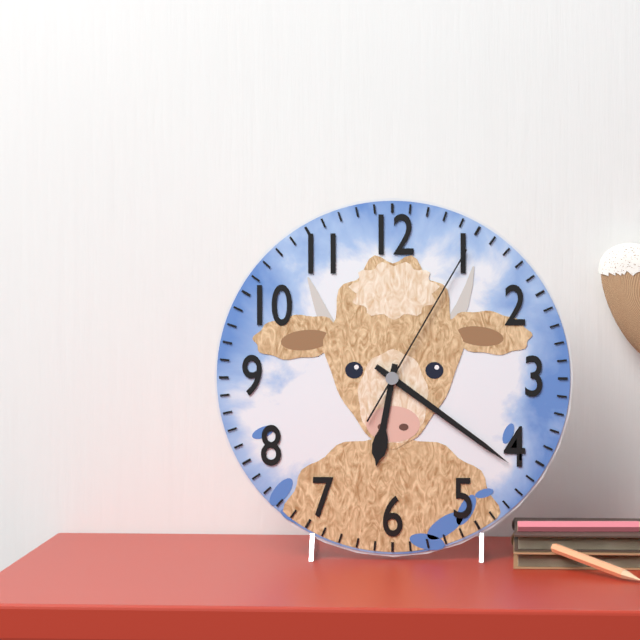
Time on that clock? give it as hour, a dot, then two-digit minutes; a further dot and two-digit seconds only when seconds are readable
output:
6.21.05
